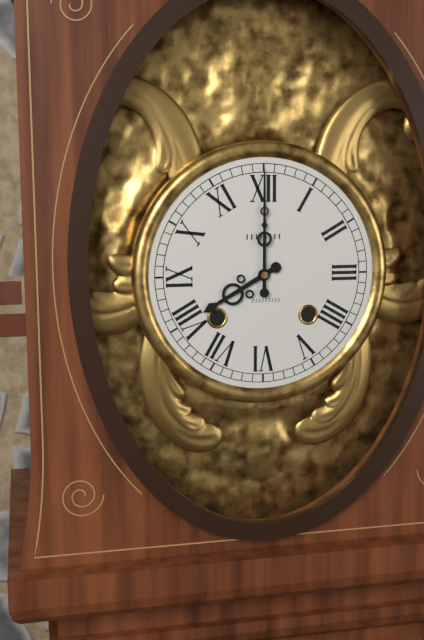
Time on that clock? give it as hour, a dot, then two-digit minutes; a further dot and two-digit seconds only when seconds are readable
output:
8.00
